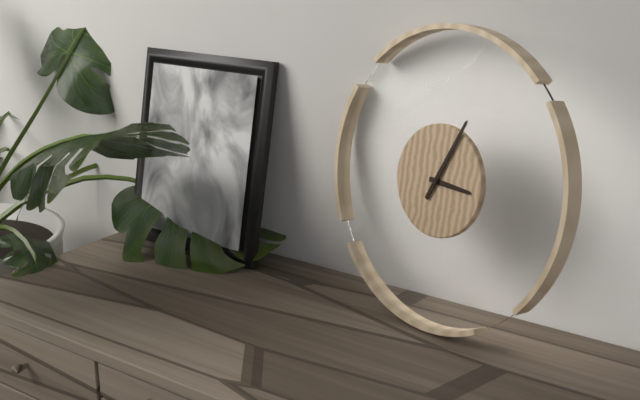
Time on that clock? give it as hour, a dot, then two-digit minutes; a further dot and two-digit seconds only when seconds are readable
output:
3.04
